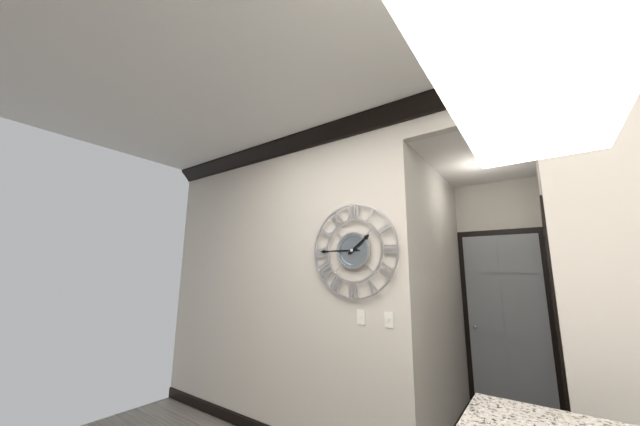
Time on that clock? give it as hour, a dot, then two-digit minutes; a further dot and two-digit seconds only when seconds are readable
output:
1.45
